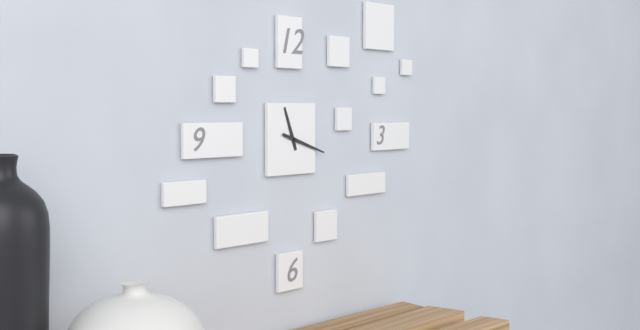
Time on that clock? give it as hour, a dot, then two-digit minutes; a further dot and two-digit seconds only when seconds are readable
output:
11.18
